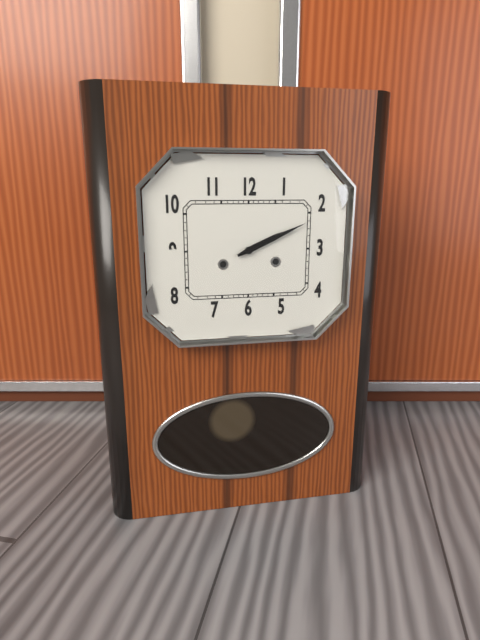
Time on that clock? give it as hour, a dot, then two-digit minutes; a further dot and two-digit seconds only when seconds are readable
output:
2.11
